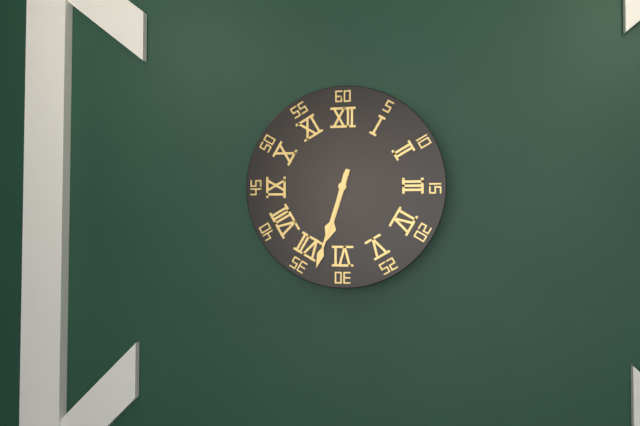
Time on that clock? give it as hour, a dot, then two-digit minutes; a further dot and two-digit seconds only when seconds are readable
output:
6.33
